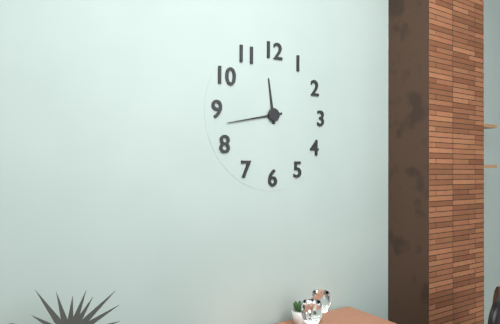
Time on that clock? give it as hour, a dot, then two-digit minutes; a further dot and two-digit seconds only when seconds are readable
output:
11.43
